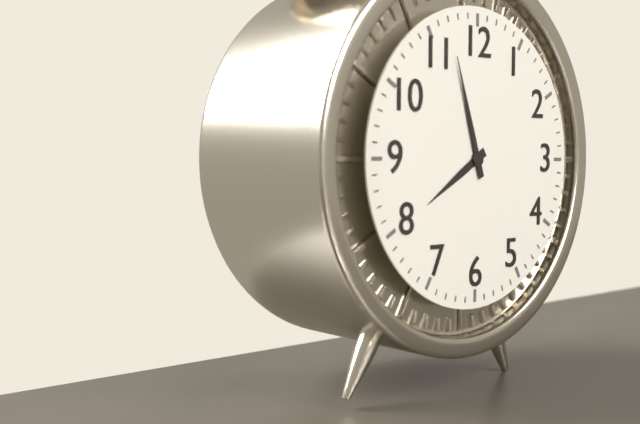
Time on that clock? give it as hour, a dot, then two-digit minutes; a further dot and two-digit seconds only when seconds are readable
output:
7.57
